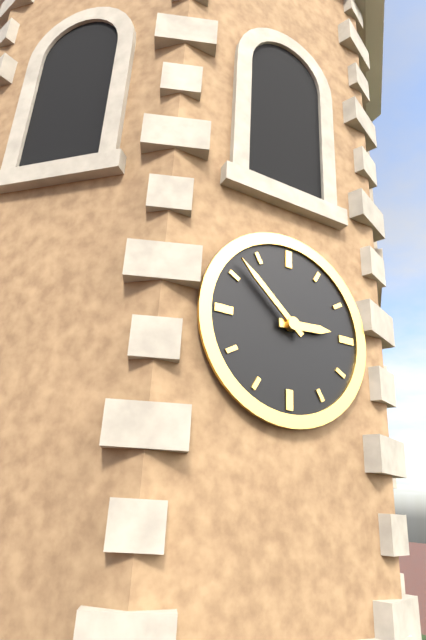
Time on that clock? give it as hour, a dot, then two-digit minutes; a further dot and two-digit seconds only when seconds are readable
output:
2.52
